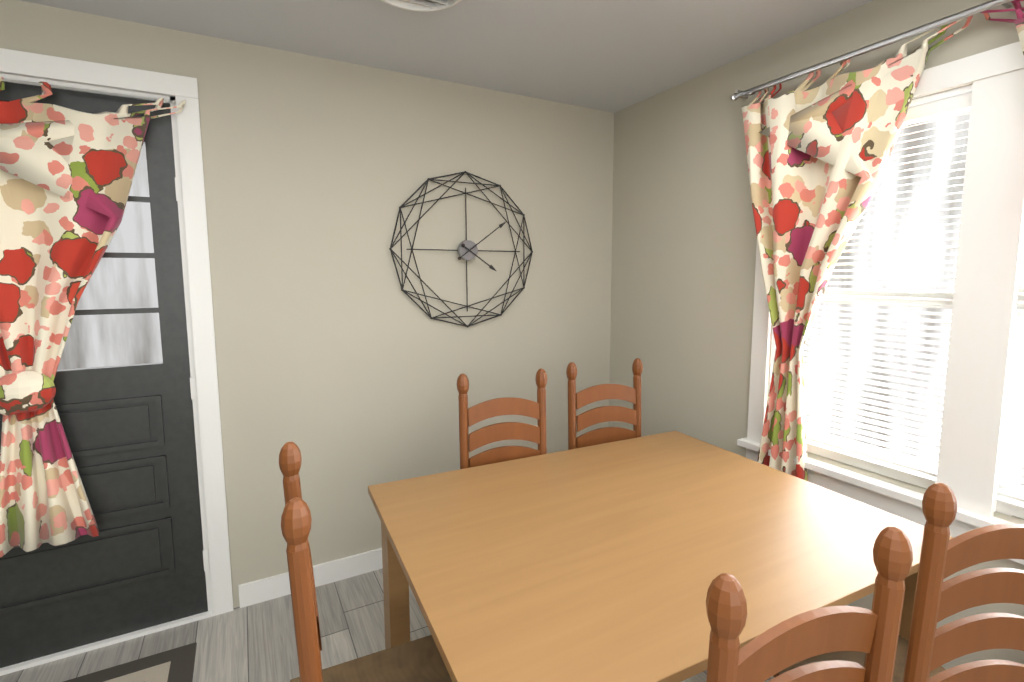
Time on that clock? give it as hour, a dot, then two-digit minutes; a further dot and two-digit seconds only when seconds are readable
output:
4.09
